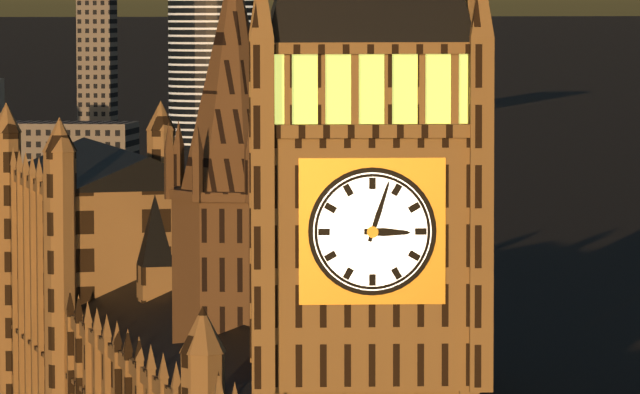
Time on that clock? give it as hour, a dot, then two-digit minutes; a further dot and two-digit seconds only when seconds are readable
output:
3.03
